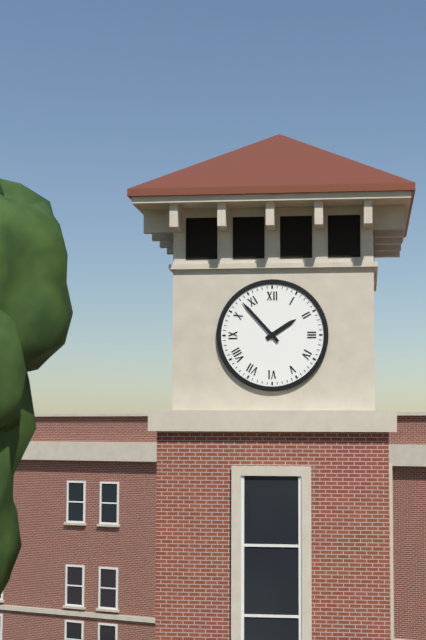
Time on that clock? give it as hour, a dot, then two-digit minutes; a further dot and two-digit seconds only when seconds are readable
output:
1.53
